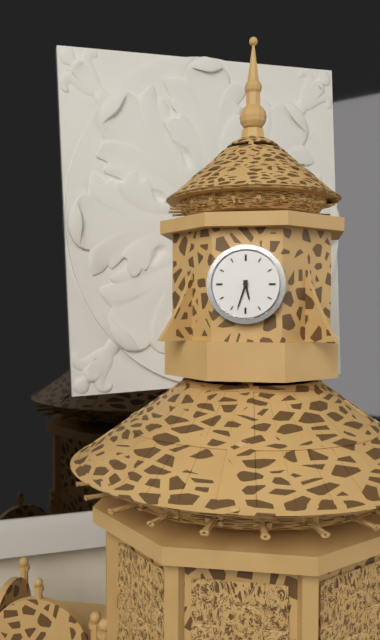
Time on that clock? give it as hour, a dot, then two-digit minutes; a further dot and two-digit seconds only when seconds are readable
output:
5.33
